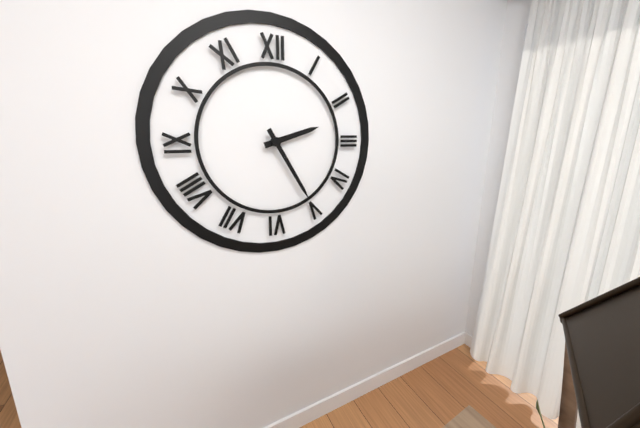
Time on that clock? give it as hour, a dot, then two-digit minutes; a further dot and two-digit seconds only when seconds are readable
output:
2.25
